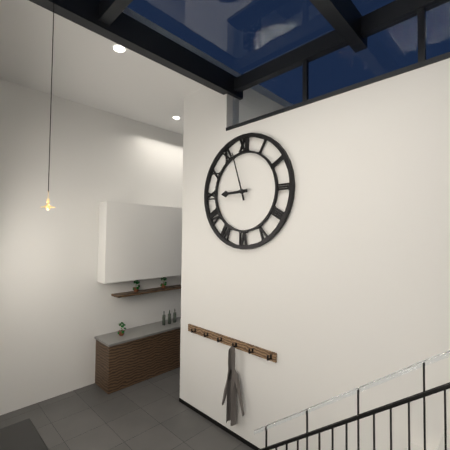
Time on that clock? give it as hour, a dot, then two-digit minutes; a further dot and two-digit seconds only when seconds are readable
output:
8.57
